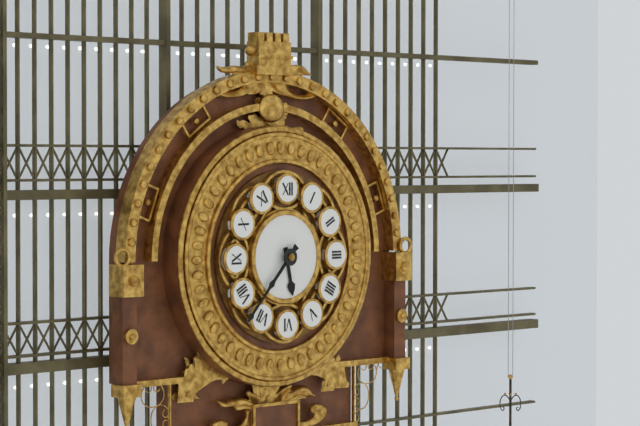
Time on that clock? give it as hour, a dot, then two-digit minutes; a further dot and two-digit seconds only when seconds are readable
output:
5.37
